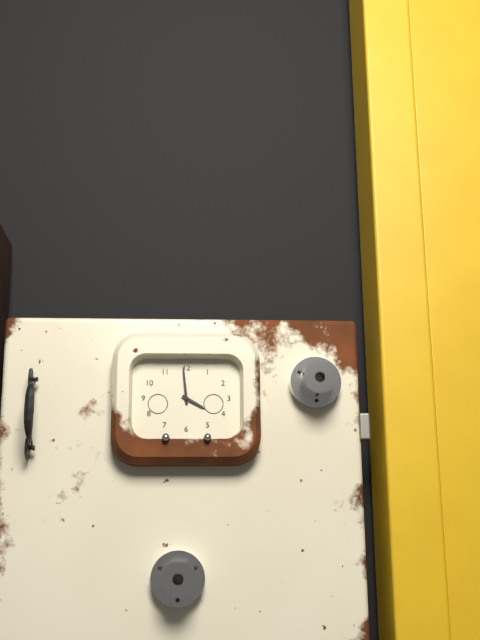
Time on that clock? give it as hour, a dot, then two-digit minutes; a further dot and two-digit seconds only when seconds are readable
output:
3.59
